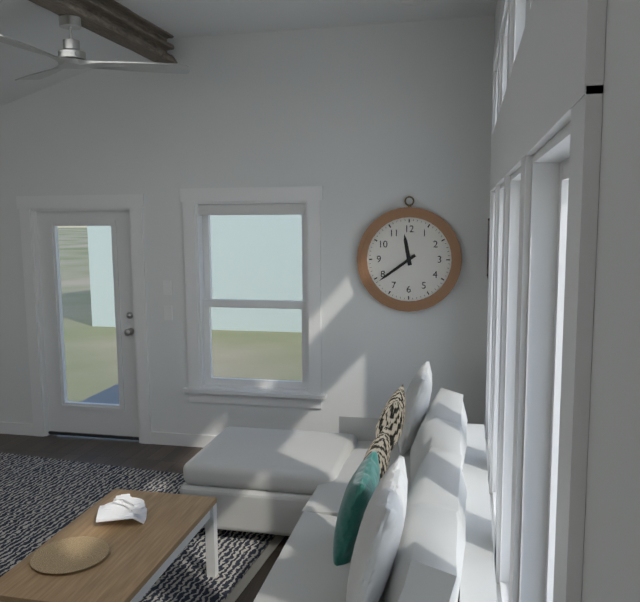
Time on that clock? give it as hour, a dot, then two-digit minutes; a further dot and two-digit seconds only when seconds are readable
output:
11.39
